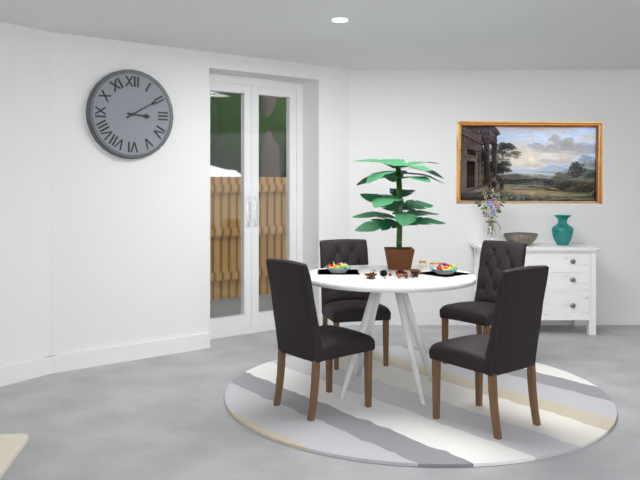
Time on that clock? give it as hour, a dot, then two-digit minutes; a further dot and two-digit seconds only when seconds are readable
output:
3.10
